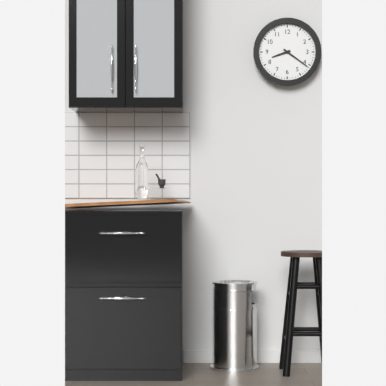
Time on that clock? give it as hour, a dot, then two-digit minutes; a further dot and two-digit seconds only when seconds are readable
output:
8.21
